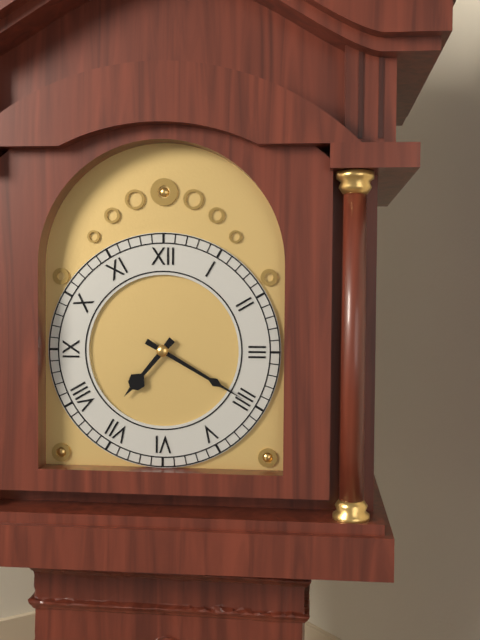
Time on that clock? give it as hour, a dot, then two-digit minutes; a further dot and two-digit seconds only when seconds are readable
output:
7.20
